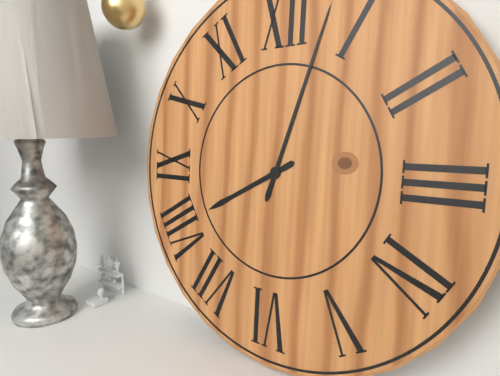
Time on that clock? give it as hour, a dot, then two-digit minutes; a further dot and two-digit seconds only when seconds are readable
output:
8.03
